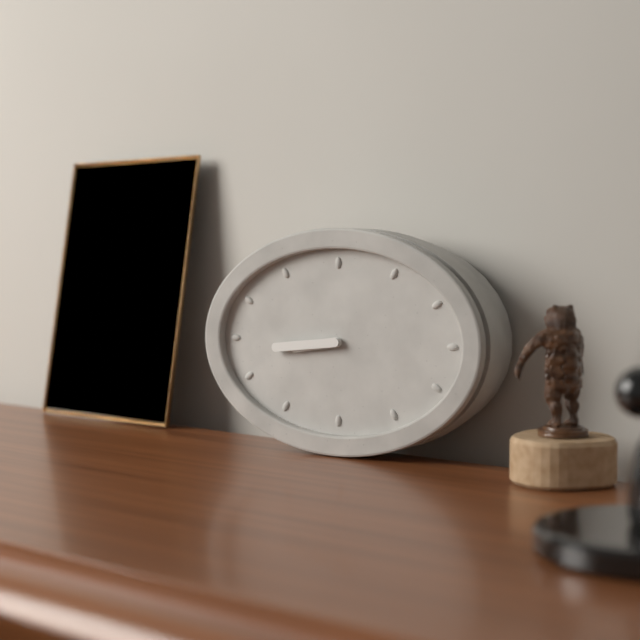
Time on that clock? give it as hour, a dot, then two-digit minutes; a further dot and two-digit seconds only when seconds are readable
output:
8.44
